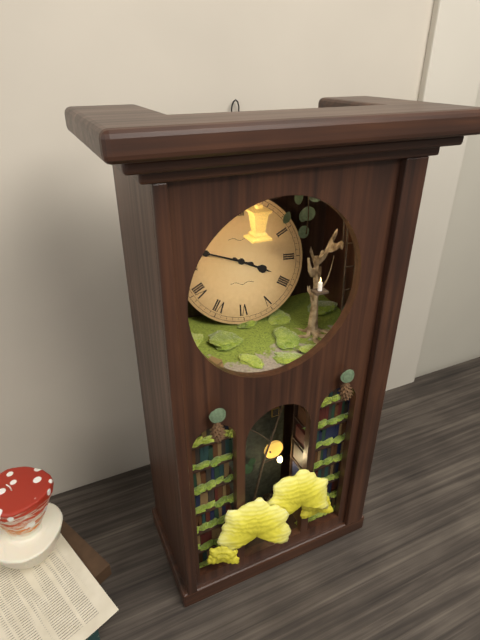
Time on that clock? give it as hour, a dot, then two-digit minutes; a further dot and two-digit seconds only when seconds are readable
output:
3.48
